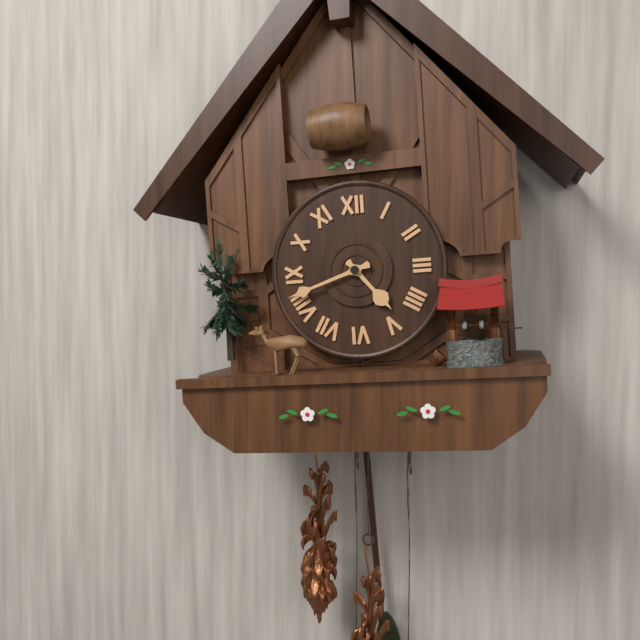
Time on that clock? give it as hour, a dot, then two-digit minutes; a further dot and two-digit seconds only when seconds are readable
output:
4.42
